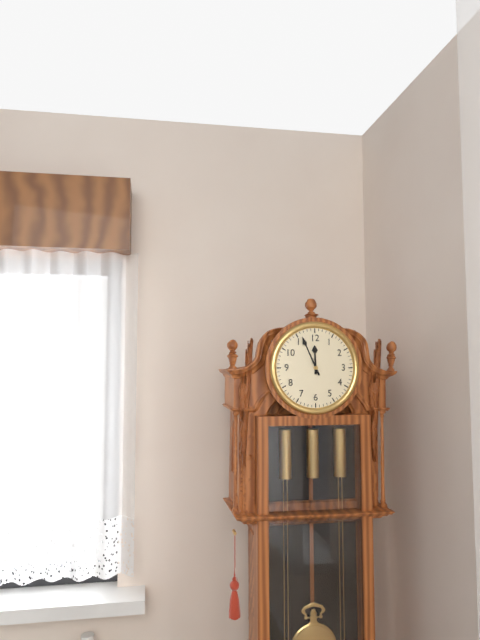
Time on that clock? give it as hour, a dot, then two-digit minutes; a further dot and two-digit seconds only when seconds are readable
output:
11.56
